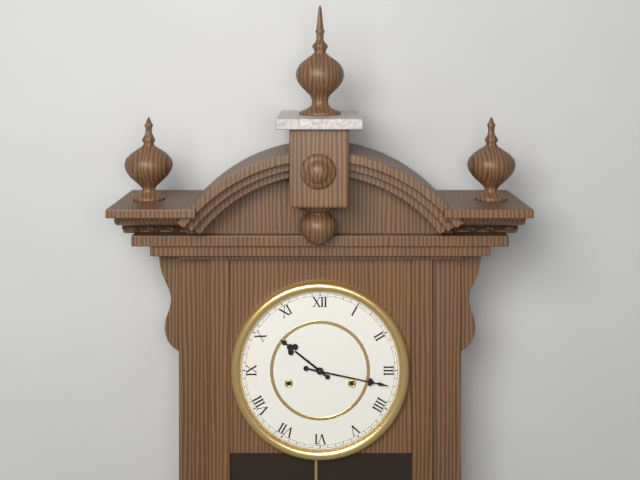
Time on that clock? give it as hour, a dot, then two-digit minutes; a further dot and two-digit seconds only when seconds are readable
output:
10.17
